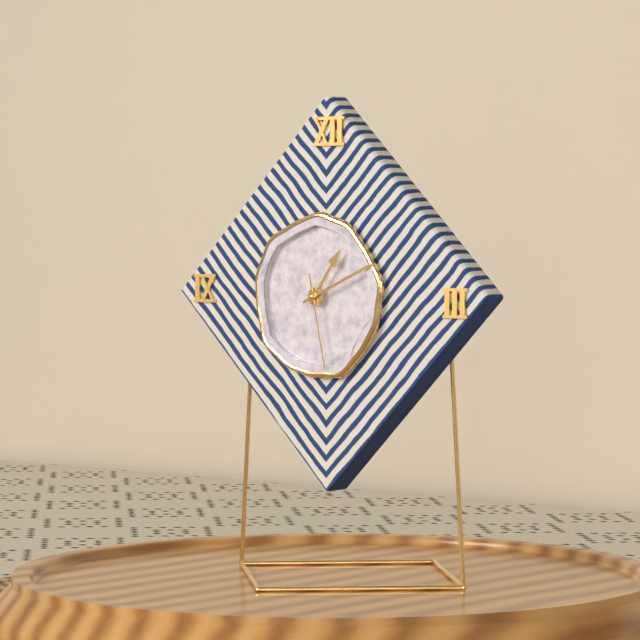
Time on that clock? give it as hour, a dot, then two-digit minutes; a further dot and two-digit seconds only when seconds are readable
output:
1.11.28
